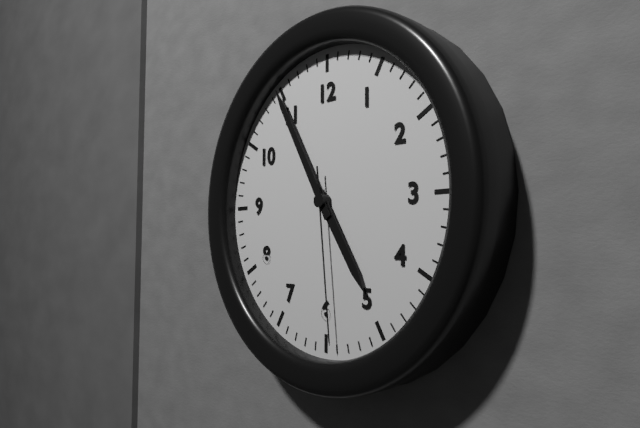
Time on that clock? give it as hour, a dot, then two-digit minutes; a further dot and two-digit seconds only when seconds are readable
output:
4.55.29
